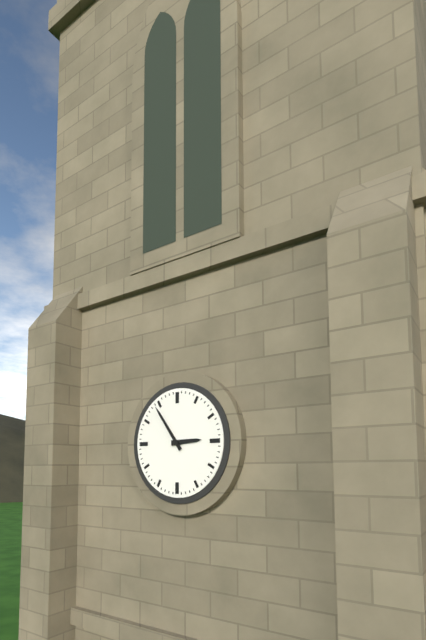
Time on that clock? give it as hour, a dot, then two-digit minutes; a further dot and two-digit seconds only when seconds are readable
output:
2.54
